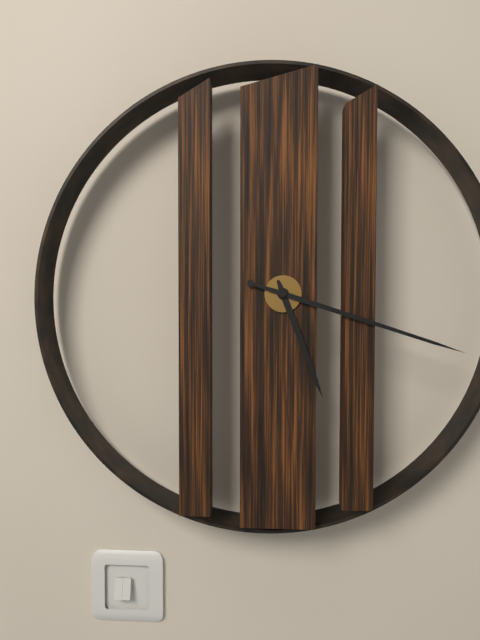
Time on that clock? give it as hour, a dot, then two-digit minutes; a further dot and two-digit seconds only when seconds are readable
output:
5.18
